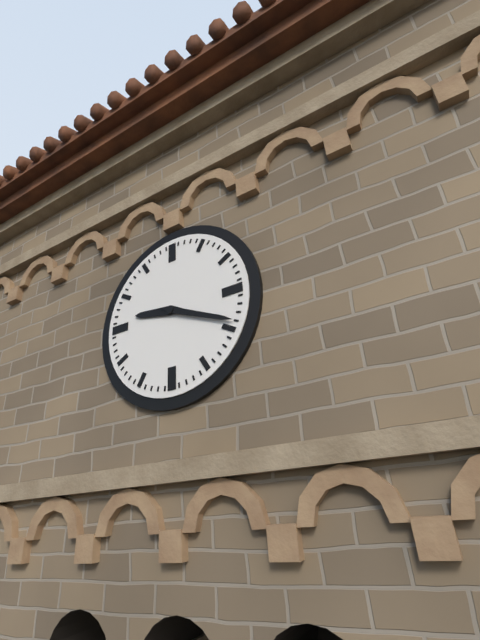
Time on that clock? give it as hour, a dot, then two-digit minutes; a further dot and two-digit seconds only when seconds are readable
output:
9.19
